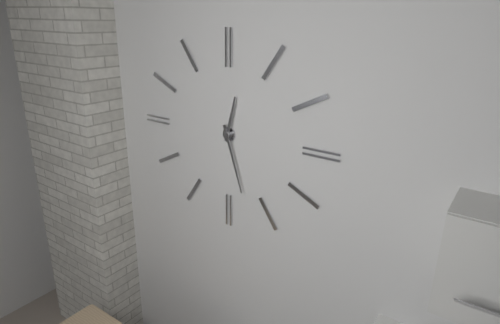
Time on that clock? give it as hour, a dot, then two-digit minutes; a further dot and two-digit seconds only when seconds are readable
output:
12.27
